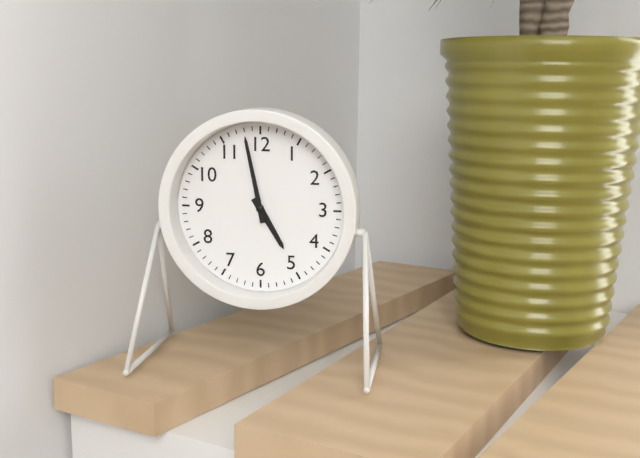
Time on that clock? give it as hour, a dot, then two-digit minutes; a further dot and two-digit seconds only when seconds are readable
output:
4.58
